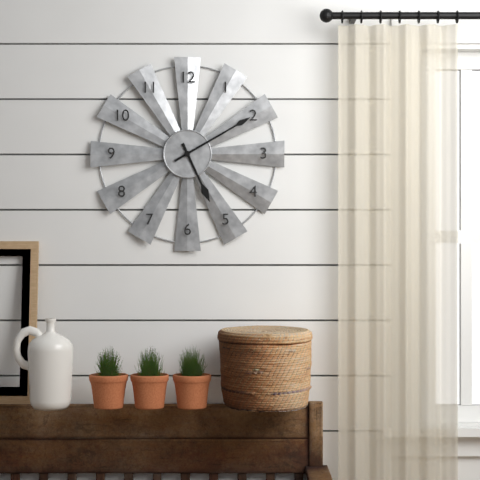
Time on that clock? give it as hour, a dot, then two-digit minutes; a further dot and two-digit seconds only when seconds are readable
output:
5.10
